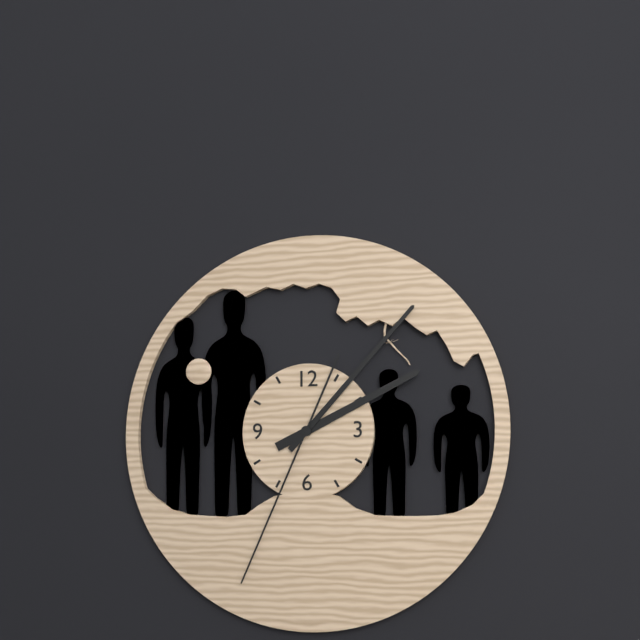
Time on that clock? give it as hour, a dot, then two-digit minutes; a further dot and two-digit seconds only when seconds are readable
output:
2.07.34
